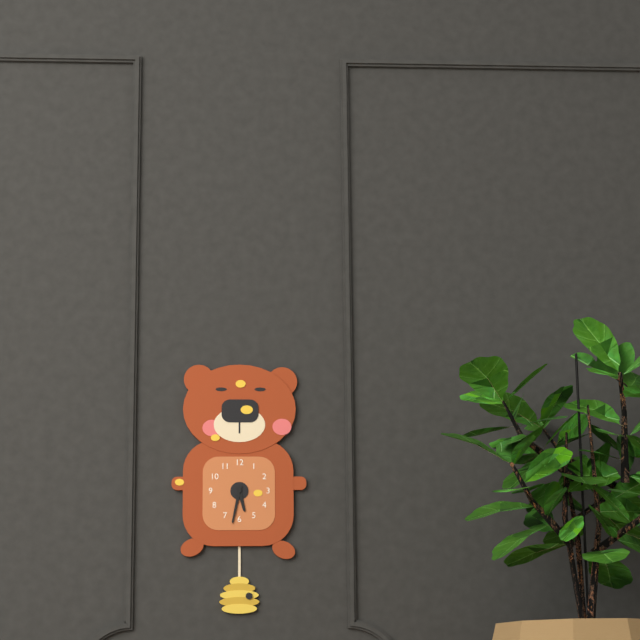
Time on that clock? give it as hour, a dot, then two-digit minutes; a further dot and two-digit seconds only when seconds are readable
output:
5.32
